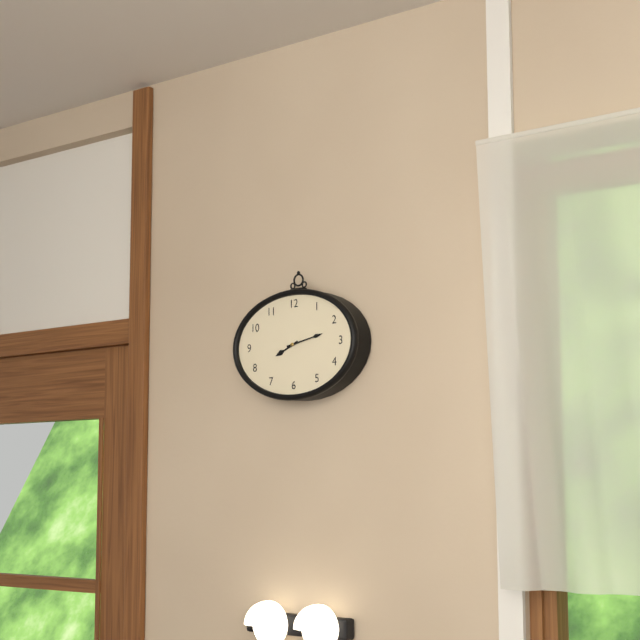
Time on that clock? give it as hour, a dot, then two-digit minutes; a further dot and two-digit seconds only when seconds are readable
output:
8.13
